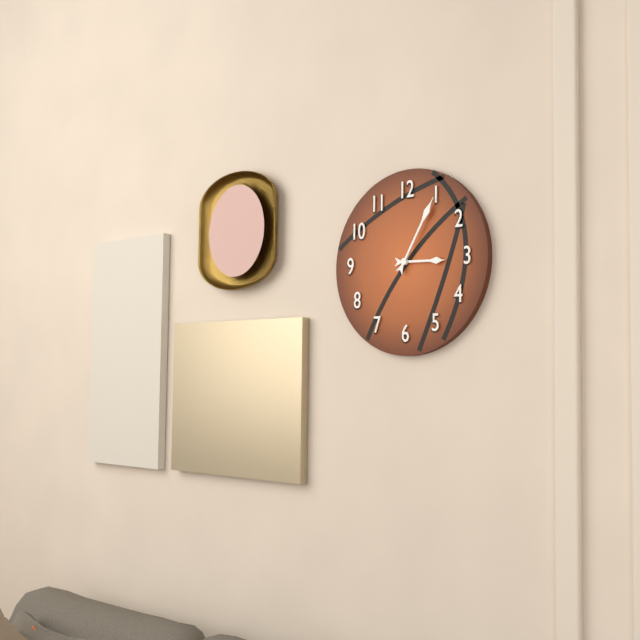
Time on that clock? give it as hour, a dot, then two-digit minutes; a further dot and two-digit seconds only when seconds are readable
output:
3.05
